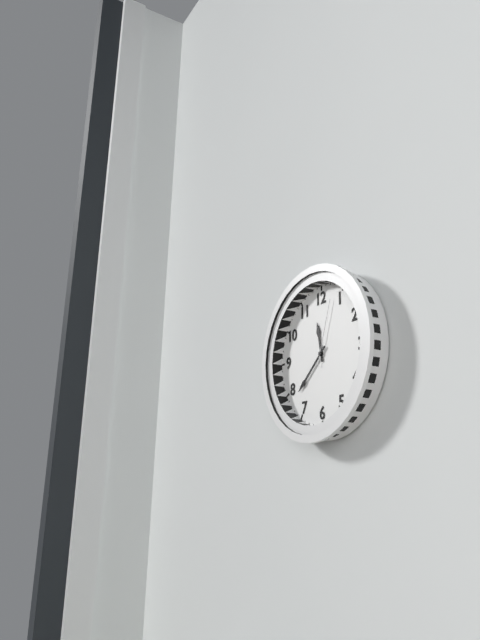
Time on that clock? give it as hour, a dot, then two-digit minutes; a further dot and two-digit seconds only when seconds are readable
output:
11.38.03
